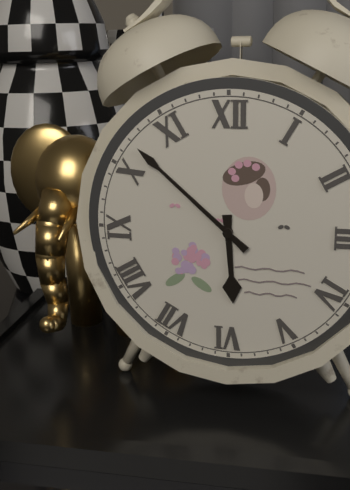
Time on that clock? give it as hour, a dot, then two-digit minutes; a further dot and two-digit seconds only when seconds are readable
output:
5.52
